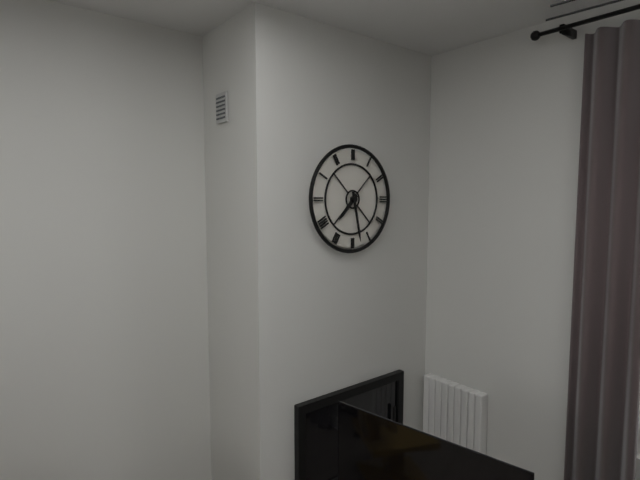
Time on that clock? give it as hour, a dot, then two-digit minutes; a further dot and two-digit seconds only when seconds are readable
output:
7.28
